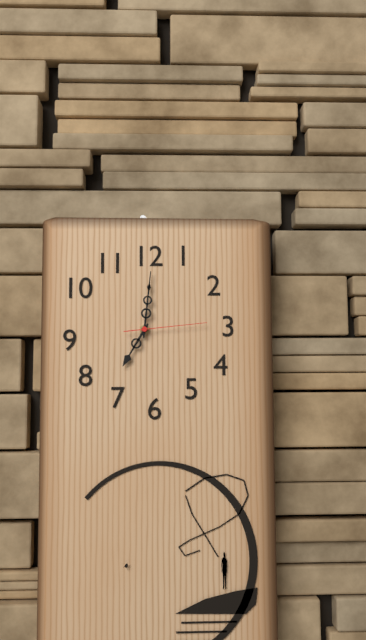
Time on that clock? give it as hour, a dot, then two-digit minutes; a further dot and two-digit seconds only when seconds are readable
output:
7.01.14
